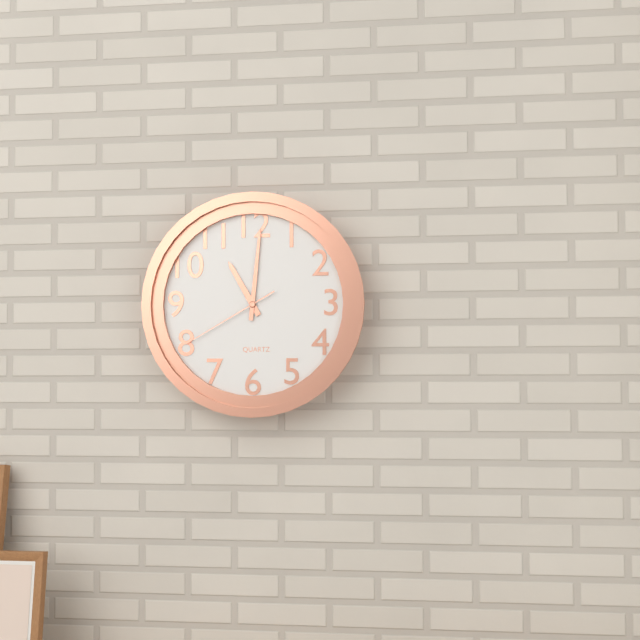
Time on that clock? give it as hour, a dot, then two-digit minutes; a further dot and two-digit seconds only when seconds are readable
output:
11.01.40
